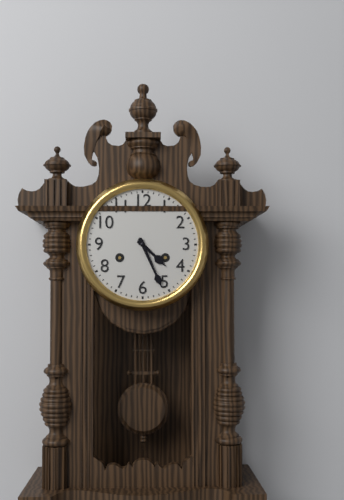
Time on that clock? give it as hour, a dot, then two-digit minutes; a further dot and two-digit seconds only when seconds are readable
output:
4.26
